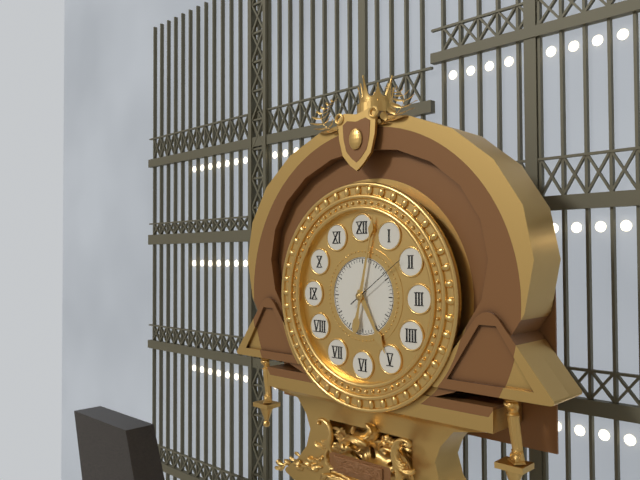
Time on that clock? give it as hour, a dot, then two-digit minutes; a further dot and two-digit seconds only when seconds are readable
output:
5.02.09
